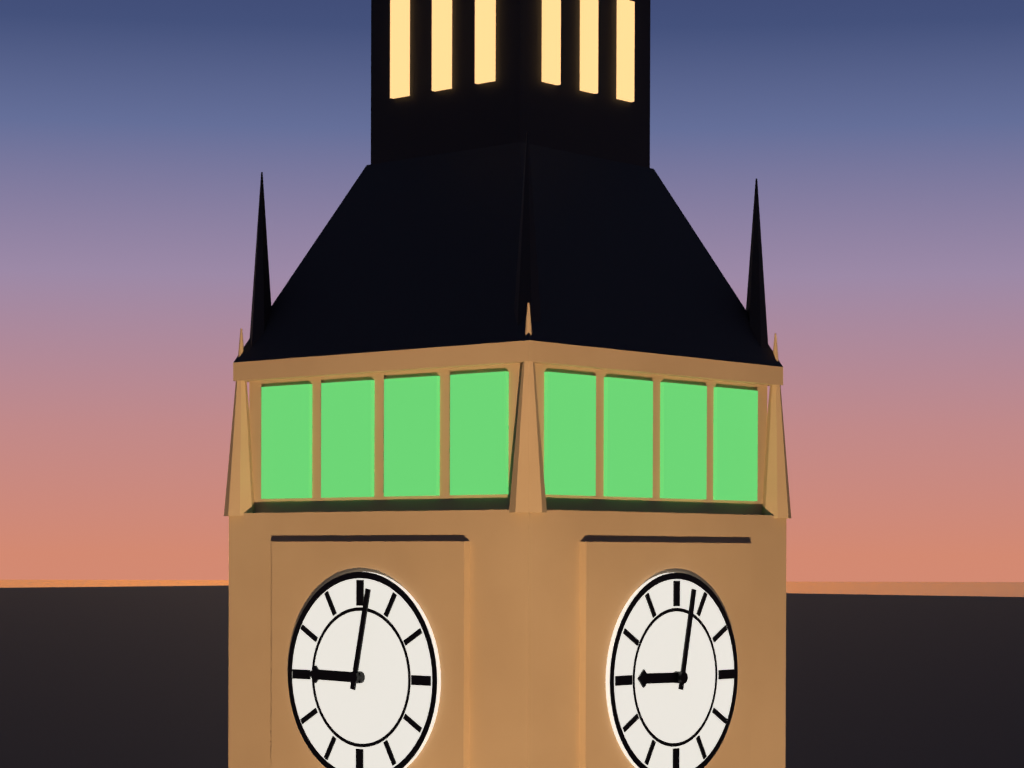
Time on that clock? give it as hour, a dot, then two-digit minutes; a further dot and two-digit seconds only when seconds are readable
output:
9.02
